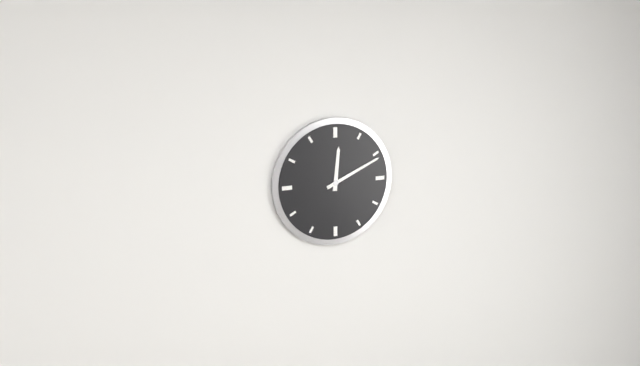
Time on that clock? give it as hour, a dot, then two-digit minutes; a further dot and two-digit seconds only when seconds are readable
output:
12.11
